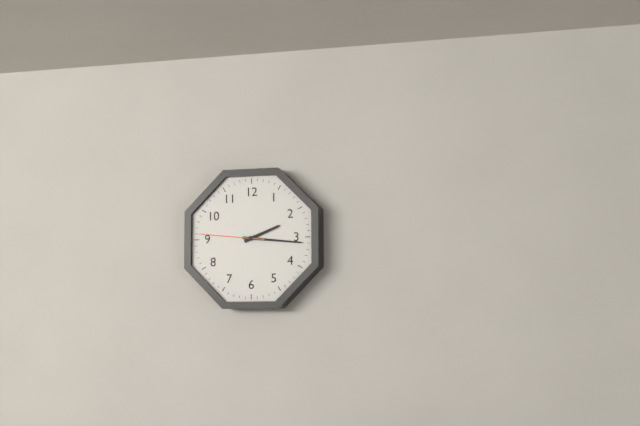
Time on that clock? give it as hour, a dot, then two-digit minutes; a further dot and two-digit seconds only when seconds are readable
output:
2.16.46
